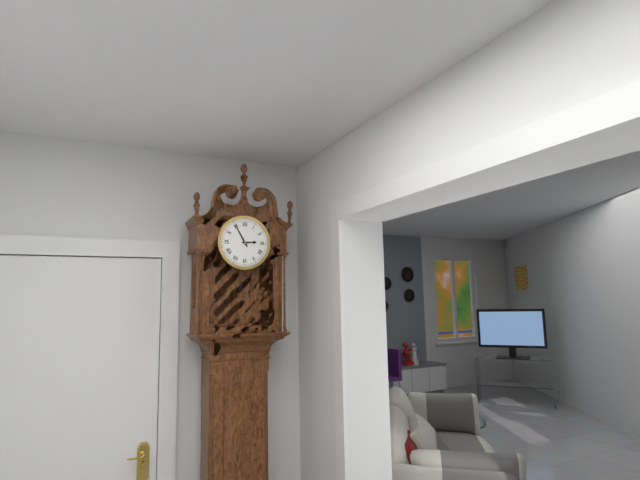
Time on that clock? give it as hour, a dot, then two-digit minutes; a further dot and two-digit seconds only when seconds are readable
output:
2.55
